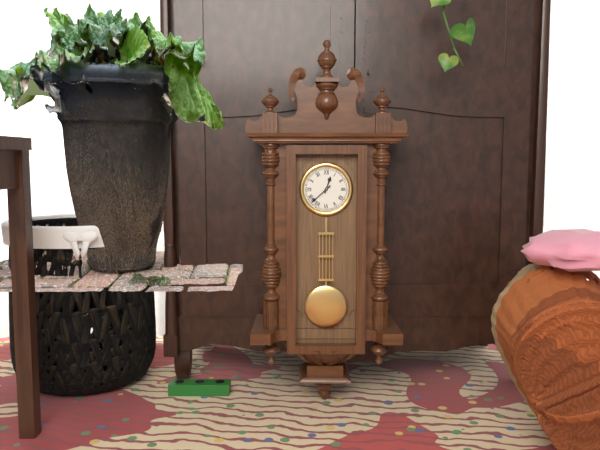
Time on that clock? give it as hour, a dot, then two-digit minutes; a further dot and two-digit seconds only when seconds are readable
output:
12.38
